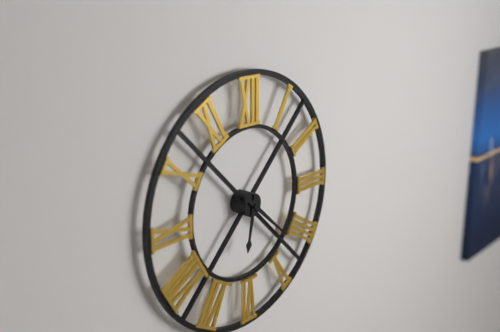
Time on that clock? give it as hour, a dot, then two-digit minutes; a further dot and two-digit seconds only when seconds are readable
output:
6.22
